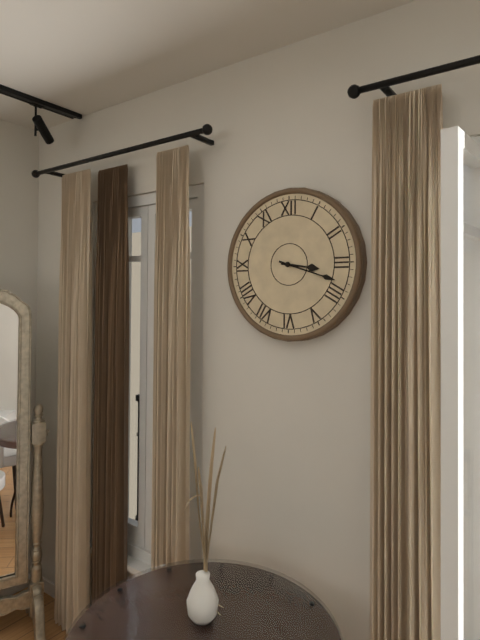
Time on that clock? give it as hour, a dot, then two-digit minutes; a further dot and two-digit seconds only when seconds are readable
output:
3.18
